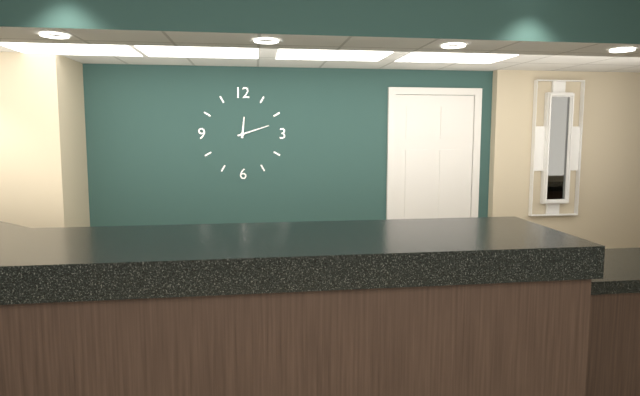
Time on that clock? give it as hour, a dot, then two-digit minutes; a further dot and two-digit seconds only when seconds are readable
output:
12.12
